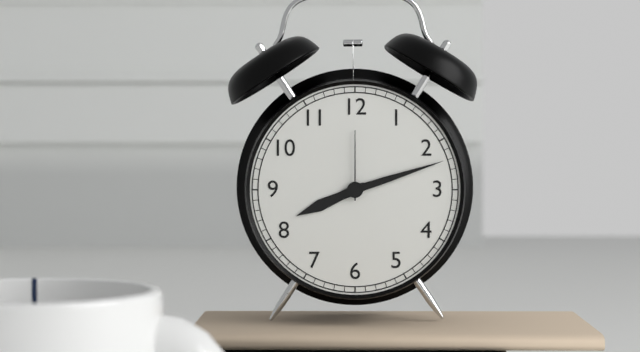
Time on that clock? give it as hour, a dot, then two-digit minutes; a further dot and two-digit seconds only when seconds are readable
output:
8.12.00
